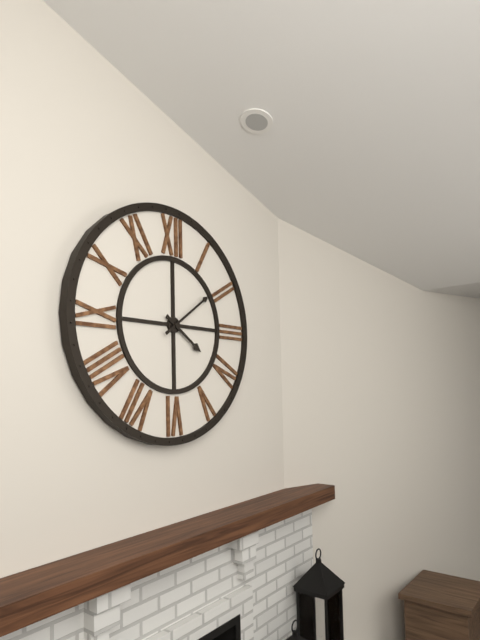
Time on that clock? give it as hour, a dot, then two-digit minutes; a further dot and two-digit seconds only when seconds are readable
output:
4.09
